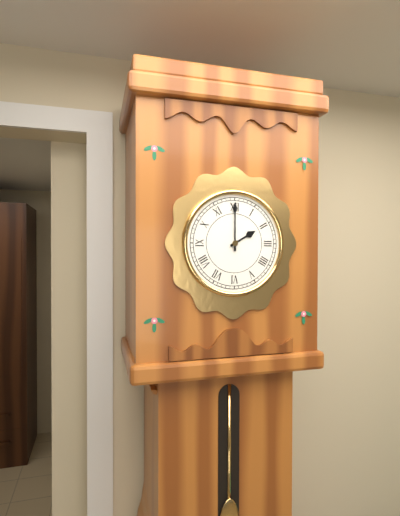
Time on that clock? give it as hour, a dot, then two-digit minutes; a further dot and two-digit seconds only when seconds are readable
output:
2.00
